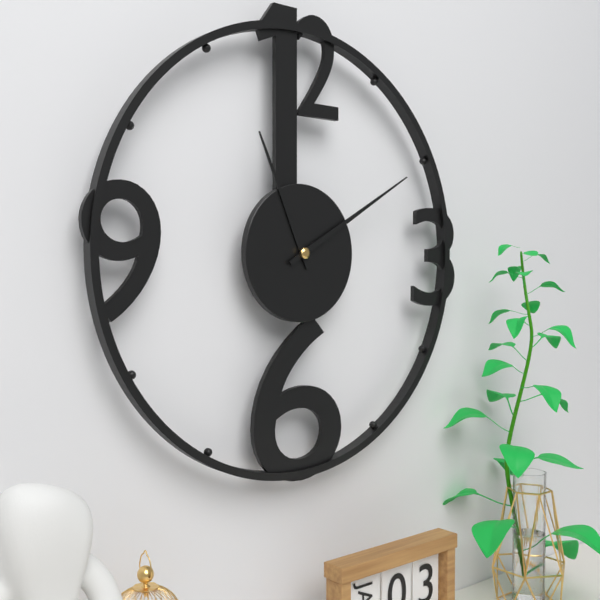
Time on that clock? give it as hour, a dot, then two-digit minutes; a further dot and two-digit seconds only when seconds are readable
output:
11.10
